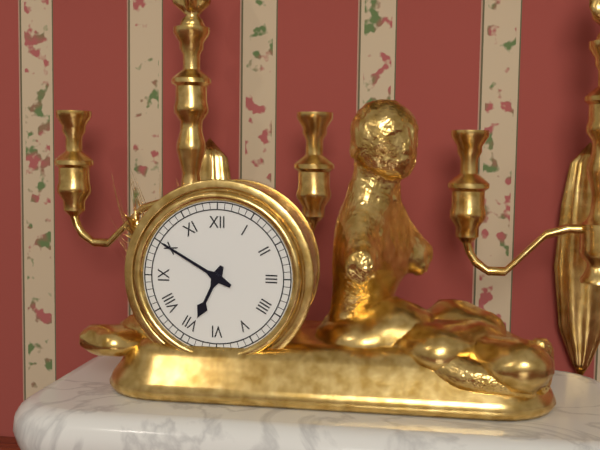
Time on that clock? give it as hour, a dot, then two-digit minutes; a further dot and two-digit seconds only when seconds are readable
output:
6.50
